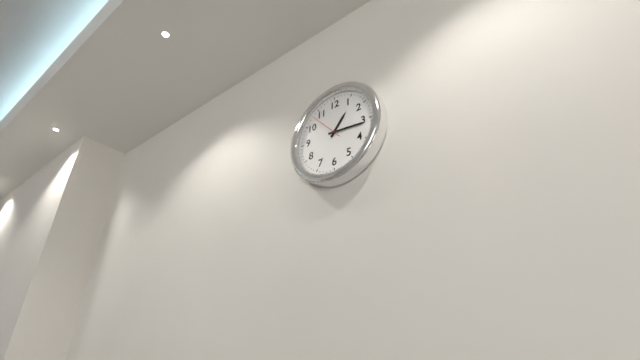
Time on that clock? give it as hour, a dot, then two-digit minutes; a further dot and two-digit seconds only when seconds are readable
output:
1.16
